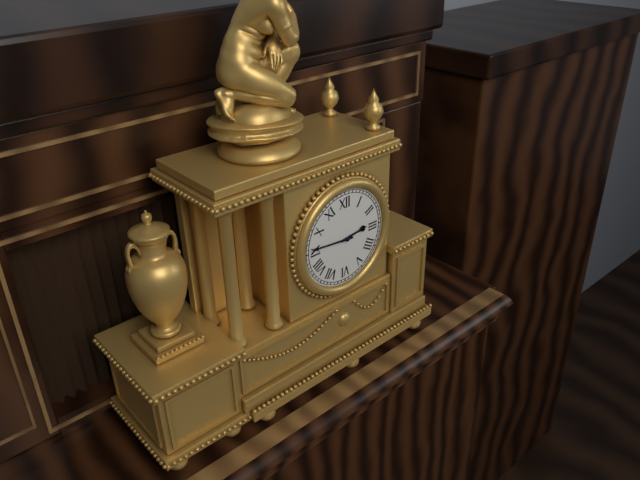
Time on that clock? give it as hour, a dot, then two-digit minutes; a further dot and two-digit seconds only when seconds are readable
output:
2.46
